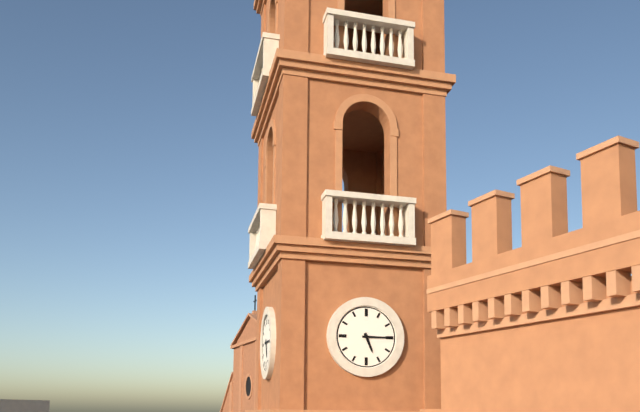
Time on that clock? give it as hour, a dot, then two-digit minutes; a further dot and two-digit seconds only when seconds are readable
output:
5.15
